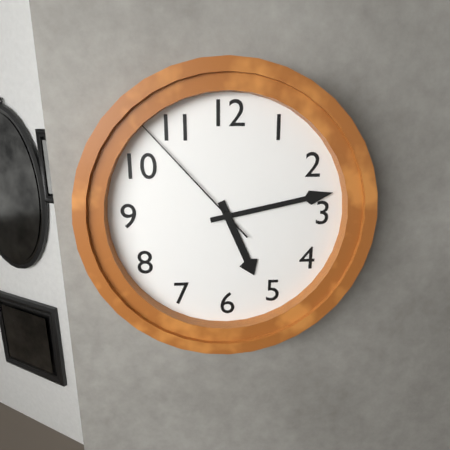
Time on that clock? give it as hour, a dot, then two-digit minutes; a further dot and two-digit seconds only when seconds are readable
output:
5.13.53
